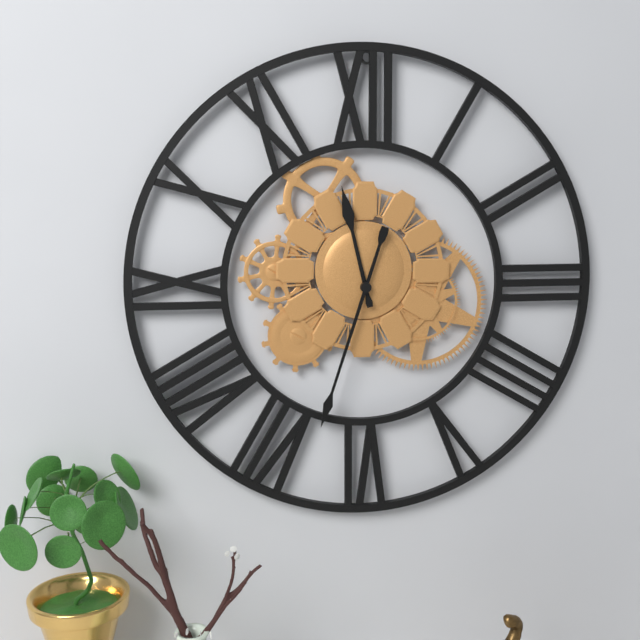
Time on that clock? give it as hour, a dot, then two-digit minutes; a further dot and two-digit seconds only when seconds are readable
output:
11.33
